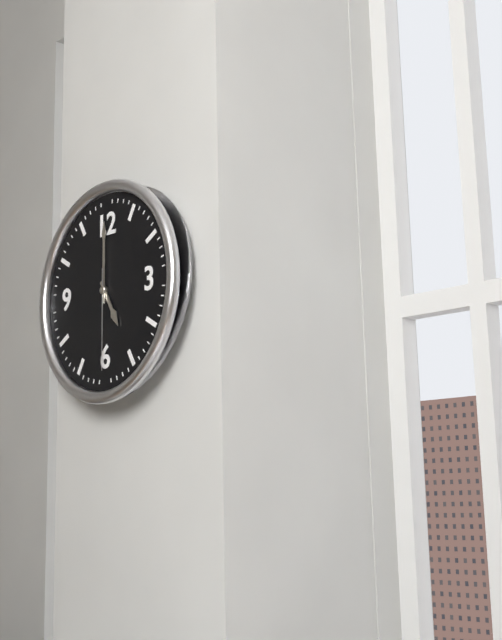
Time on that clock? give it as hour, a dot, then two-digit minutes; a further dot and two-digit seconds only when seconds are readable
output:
5.00.30
